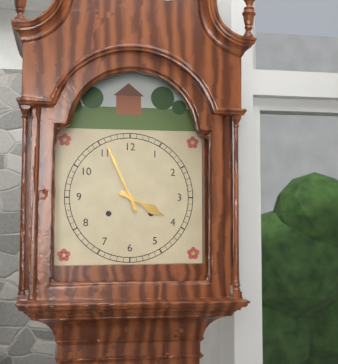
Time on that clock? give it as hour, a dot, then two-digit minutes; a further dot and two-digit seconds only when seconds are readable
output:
3.56
